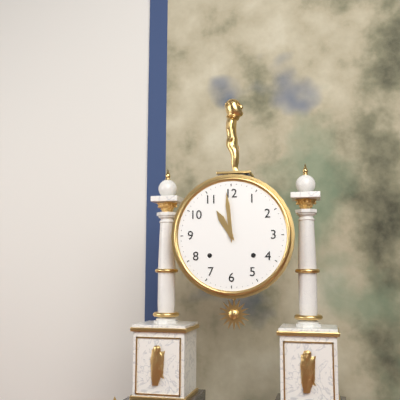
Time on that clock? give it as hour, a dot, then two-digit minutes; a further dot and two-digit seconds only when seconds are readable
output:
10.59
